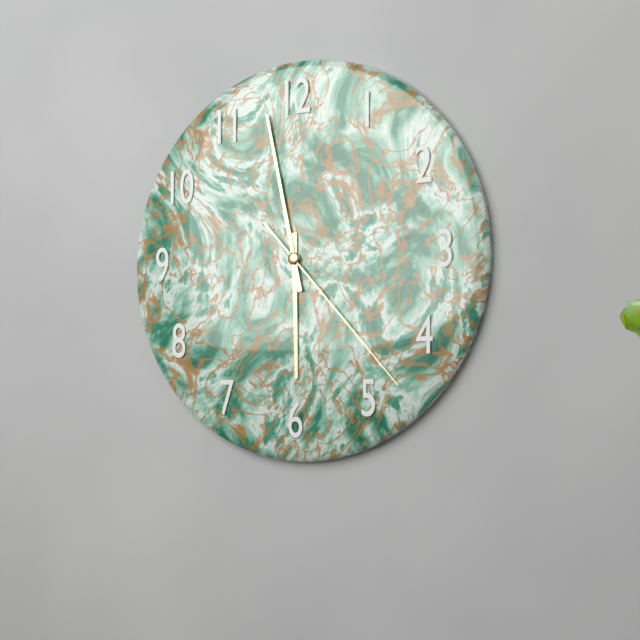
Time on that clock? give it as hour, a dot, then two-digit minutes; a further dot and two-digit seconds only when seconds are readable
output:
5.58.23
